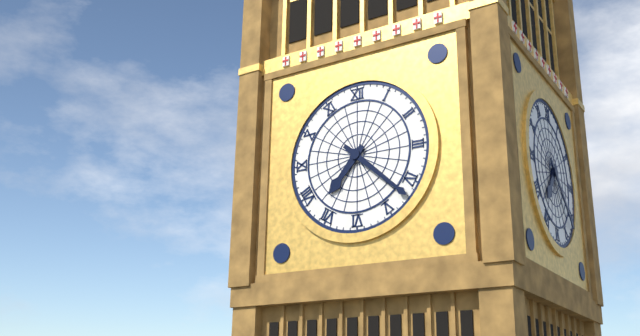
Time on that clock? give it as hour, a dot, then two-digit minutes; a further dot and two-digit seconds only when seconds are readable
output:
7.22
